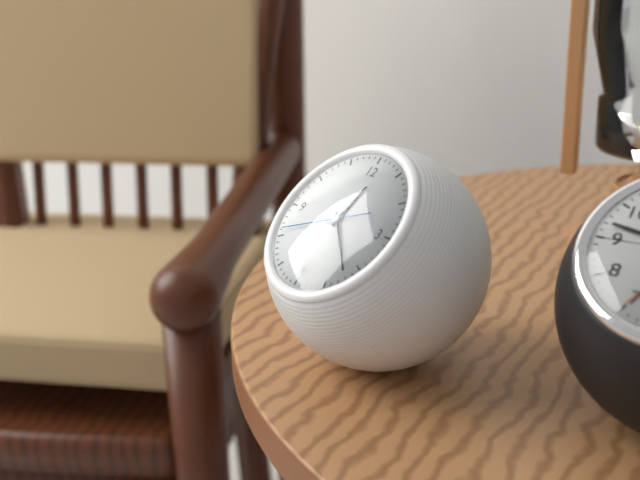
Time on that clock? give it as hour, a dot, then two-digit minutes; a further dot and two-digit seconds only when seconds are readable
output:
12.22.41
